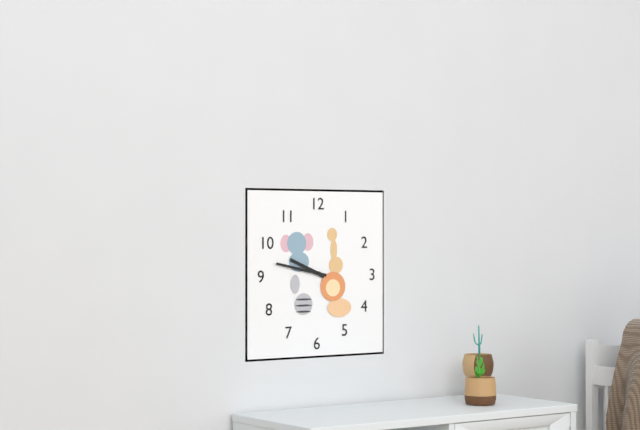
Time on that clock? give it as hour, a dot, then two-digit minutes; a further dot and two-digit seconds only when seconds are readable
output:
9.47
